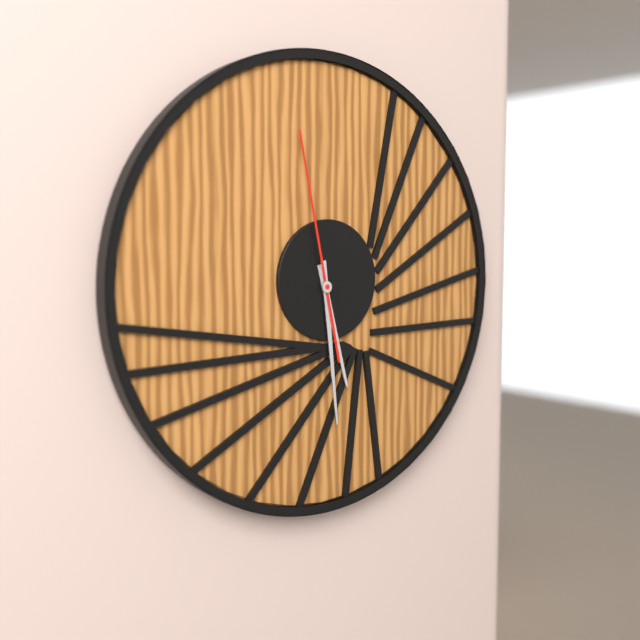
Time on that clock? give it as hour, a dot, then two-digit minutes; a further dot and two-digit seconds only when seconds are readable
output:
5.29.58
